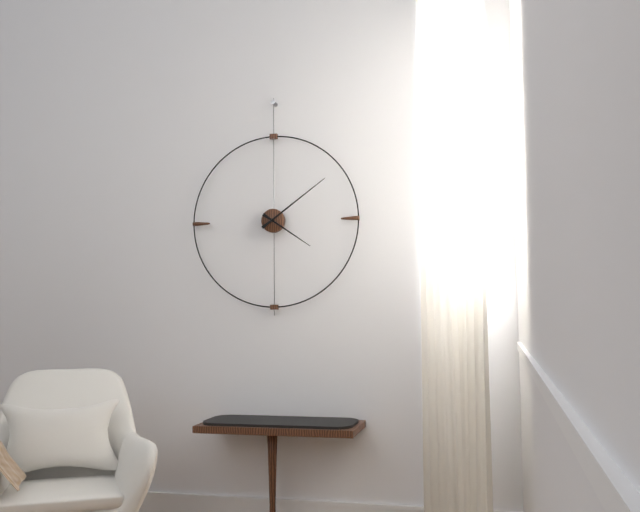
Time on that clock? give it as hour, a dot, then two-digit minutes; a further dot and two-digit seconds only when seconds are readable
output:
4.09
